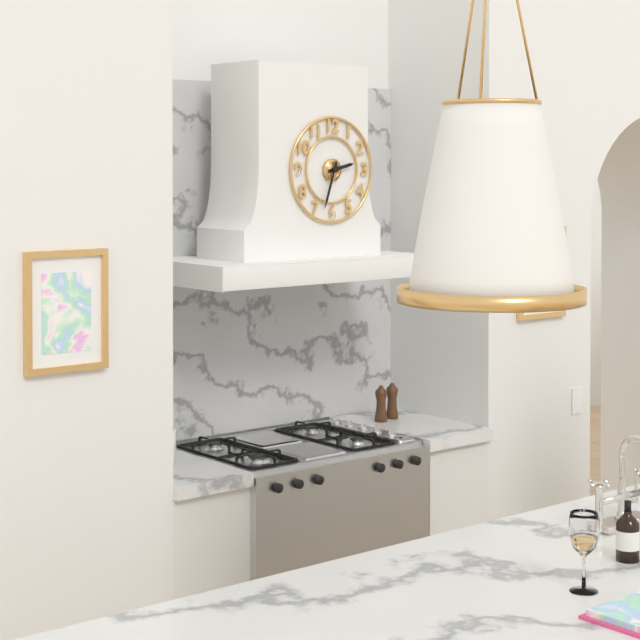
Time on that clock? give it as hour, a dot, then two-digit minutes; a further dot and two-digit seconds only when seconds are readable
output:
2.33
